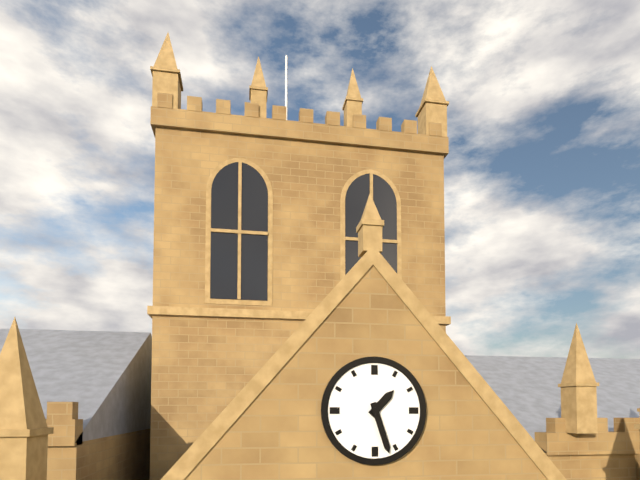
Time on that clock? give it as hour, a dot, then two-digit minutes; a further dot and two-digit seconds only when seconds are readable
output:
1.27
